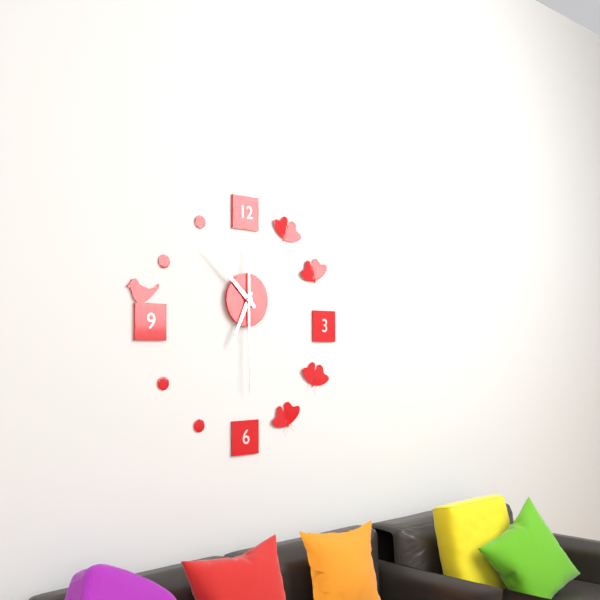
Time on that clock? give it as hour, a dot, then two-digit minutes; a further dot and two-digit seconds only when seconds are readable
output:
6.52.30
